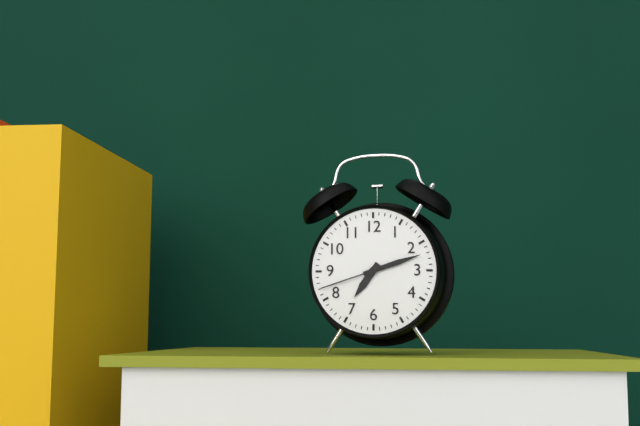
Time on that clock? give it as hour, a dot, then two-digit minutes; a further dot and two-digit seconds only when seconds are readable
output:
7.12.42
